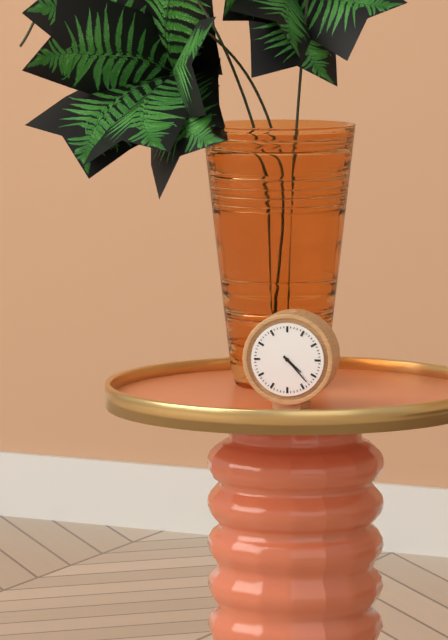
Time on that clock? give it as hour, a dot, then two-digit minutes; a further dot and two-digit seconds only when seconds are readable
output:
4.23
